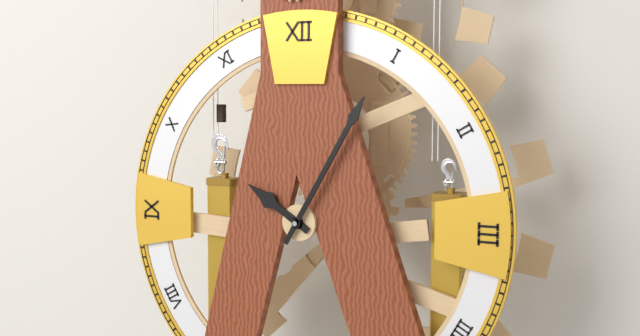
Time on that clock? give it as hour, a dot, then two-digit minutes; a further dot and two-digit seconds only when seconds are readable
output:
10.05
